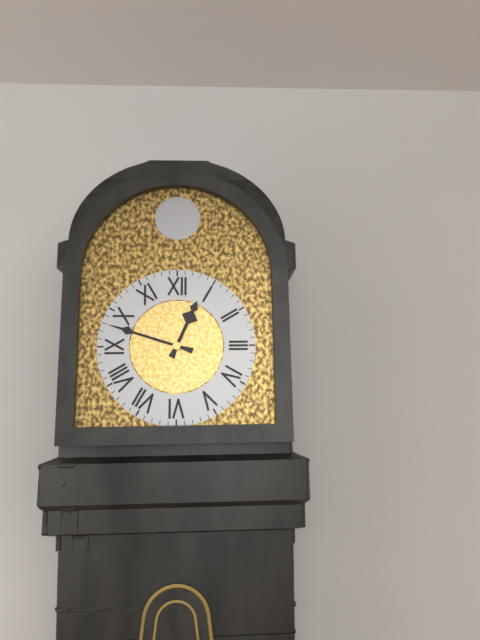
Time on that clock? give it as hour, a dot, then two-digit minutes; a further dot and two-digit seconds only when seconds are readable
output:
12.48
